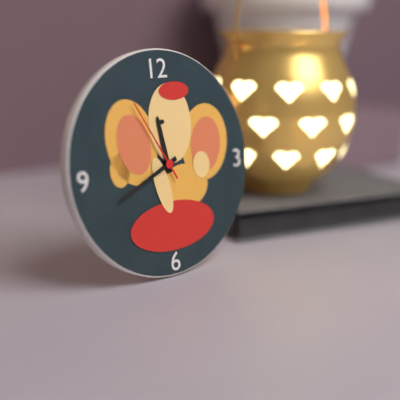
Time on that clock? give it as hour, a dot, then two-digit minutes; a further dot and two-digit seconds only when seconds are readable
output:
11.41.55
